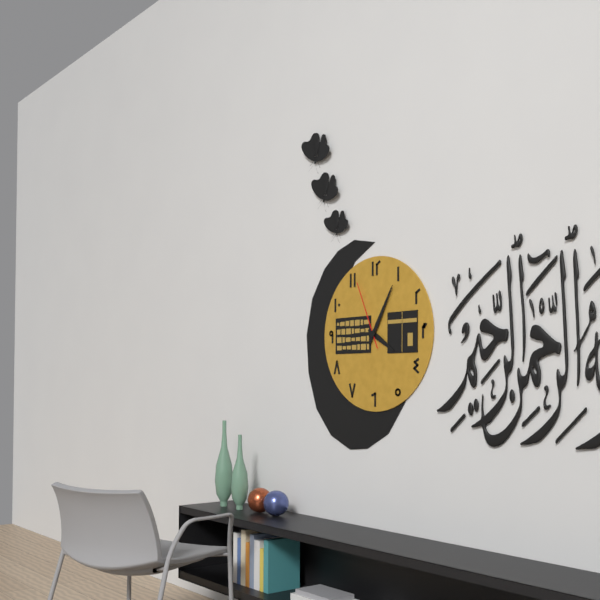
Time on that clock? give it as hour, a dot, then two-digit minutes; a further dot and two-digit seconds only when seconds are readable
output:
4.05.56
